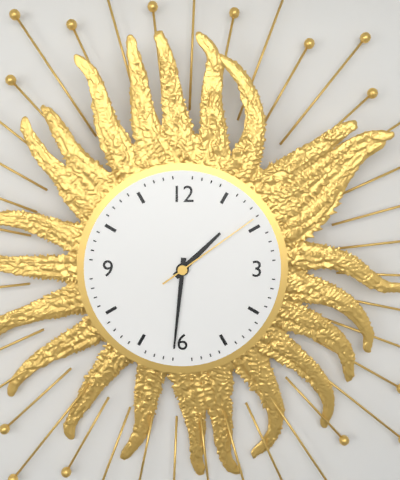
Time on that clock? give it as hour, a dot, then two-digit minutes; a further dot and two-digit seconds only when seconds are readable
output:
1.31.09
